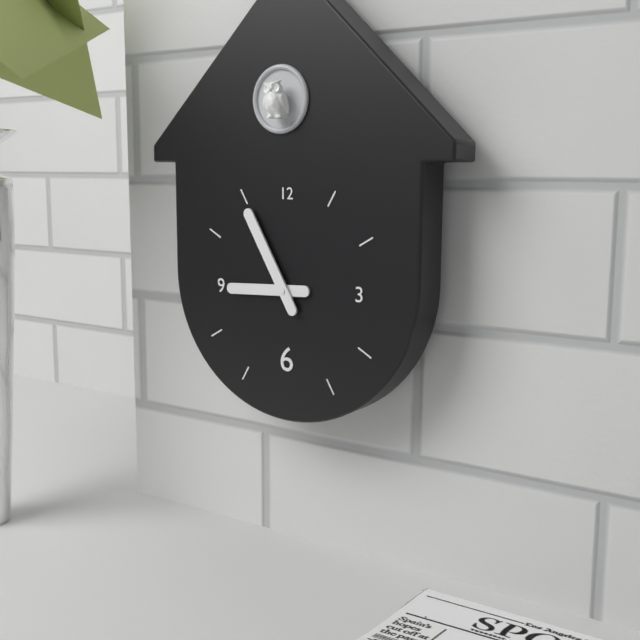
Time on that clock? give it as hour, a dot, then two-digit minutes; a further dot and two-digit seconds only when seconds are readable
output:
8.55
